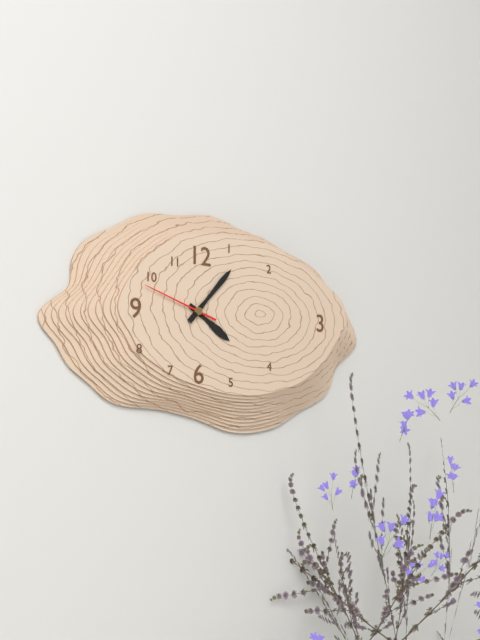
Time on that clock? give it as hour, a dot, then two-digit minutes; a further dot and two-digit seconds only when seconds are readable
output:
4.07.48
